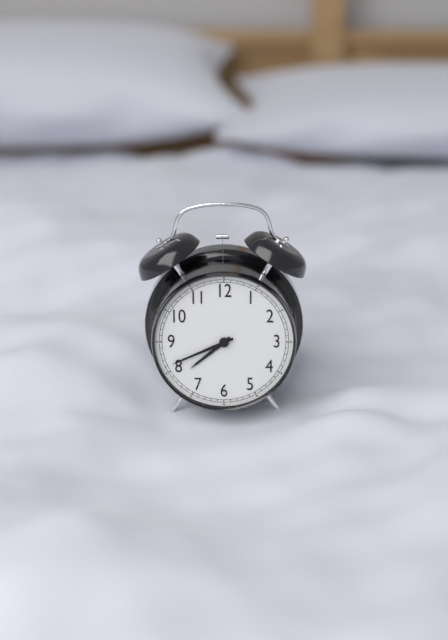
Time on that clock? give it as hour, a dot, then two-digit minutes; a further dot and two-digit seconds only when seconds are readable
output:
7.41
